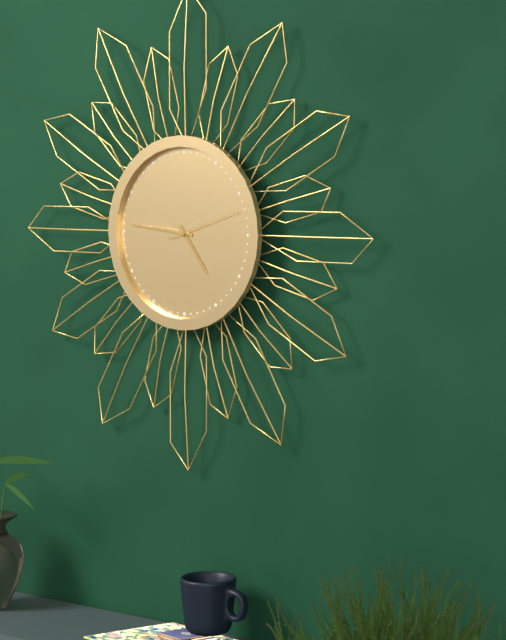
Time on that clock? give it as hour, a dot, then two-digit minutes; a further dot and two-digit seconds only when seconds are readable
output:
4.46.12
